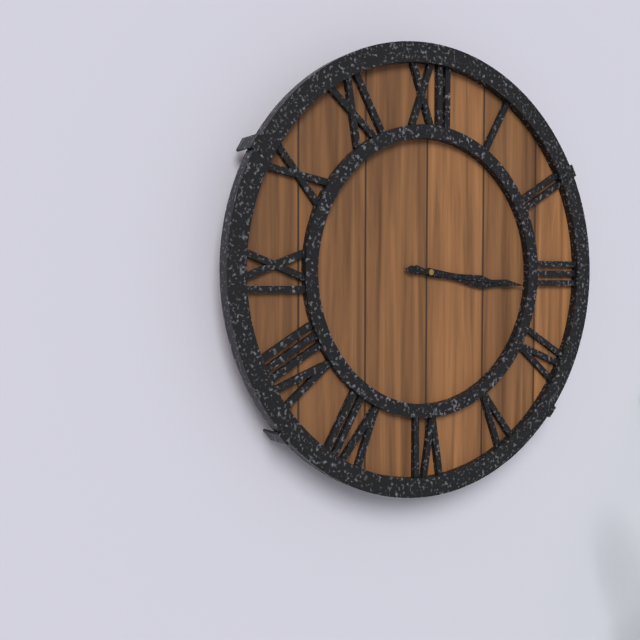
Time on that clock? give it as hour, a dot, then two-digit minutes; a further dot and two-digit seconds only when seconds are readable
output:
3.16
